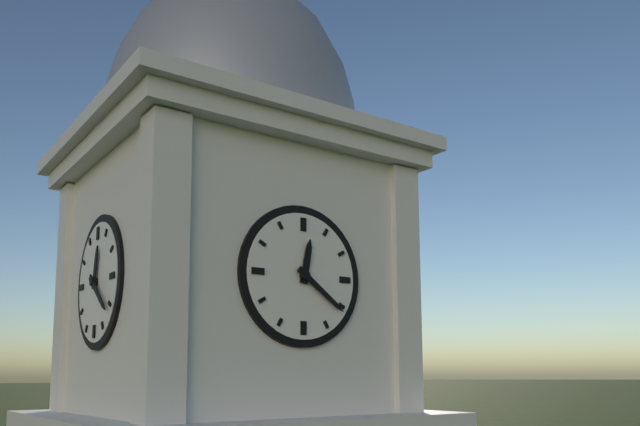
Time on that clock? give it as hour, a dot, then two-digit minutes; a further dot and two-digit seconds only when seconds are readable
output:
12.21
